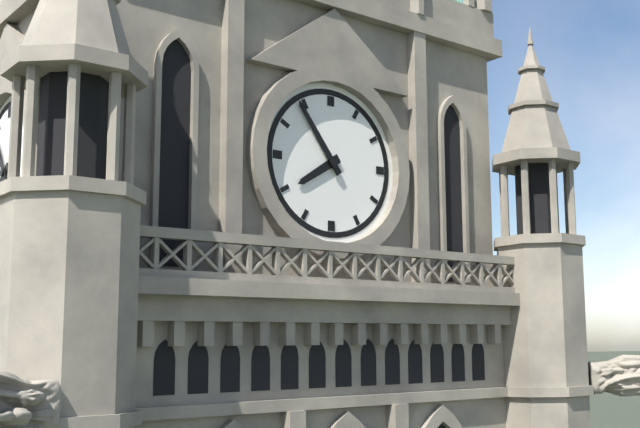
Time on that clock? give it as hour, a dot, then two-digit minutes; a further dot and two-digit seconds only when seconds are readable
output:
7.54
